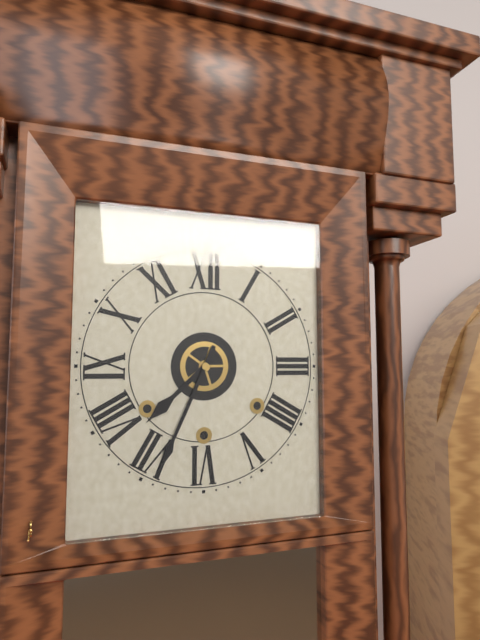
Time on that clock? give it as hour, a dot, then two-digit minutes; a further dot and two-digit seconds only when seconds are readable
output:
7.34
